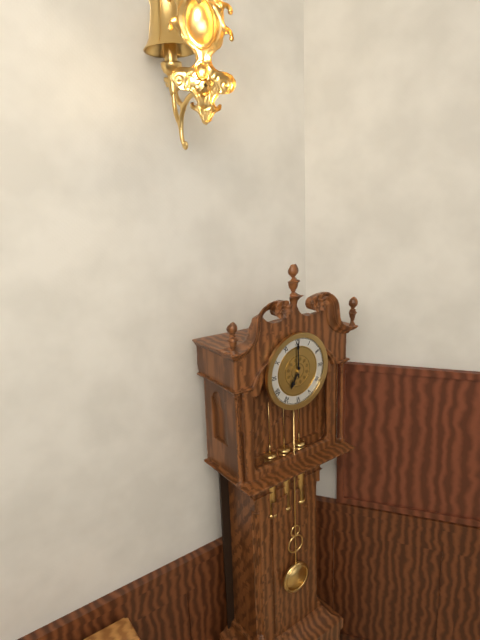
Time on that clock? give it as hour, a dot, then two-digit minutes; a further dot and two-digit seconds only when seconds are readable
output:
7.00
